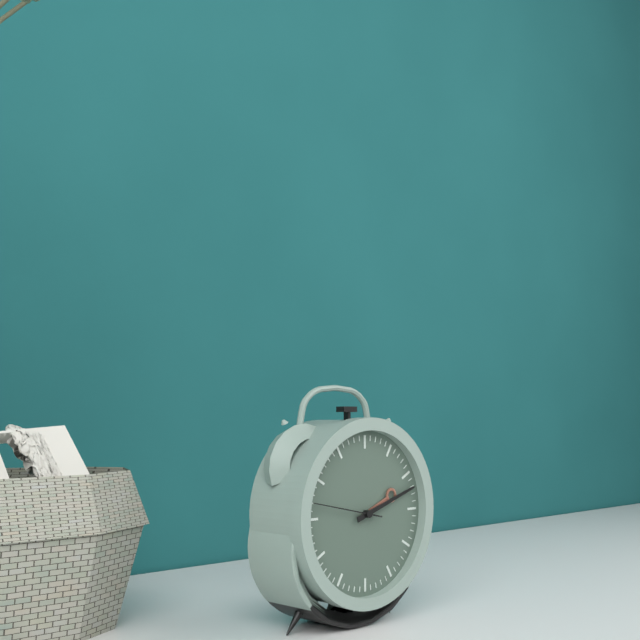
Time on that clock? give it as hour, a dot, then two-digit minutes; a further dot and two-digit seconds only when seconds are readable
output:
2.12.47
